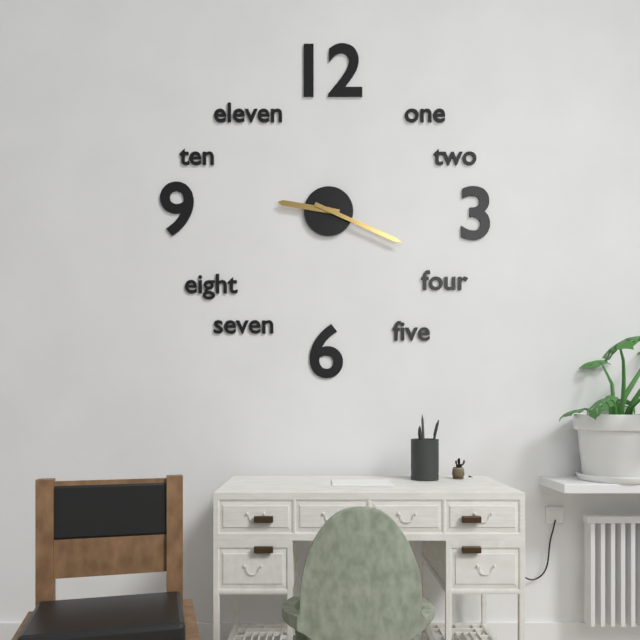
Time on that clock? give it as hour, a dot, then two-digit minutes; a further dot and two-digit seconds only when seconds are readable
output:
9.19
